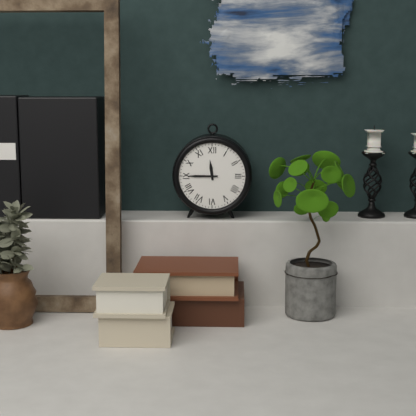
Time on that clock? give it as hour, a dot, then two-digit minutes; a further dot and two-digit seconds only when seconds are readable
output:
11.45
